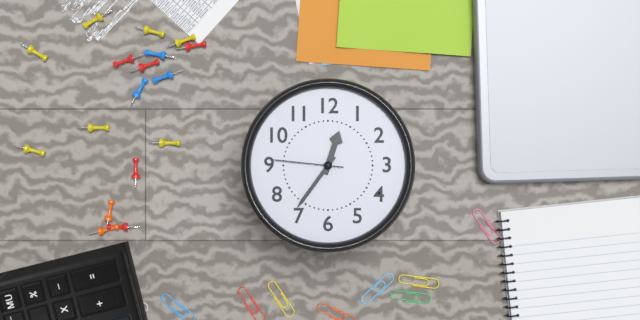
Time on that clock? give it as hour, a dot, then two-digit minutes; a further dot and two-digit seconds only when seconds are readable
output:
12.36.46
